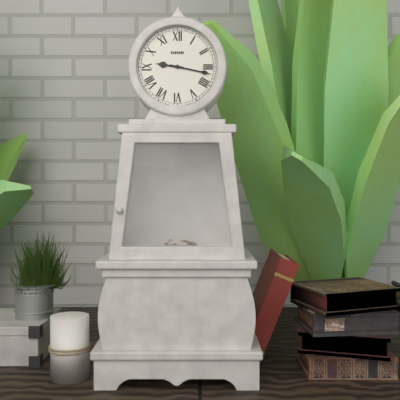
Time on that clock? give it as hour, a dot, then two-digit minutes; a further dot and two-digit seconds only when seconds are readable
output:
9.17
